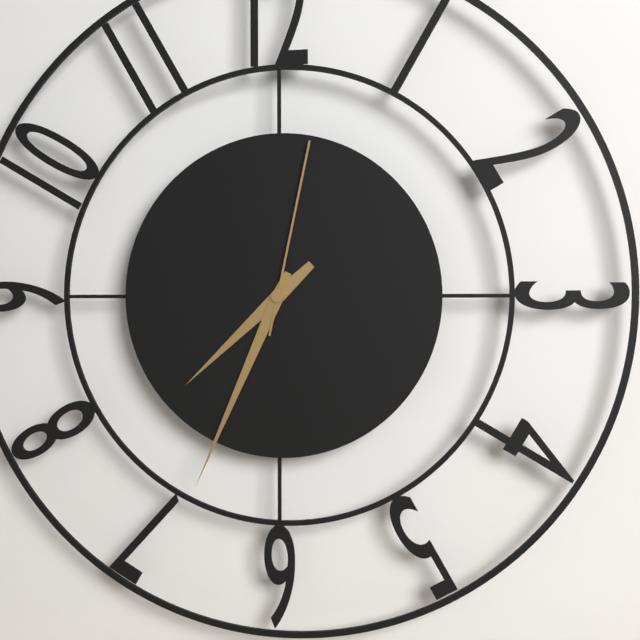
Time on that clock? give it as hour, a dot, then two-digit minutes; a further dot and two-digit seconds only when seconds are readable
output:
7.34.02
